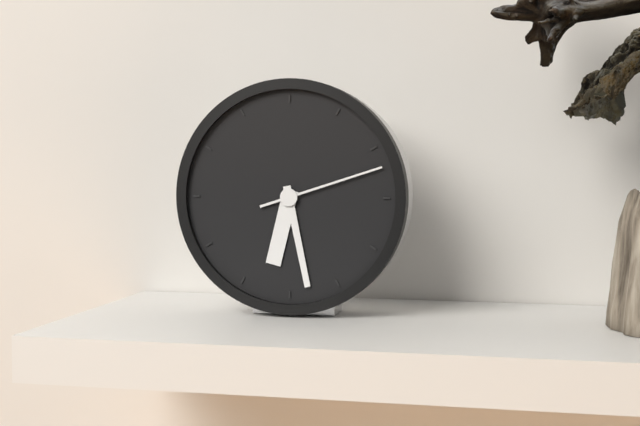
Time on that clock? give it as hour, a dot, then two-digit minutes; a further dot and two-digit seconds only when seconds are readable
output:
6.28.12
